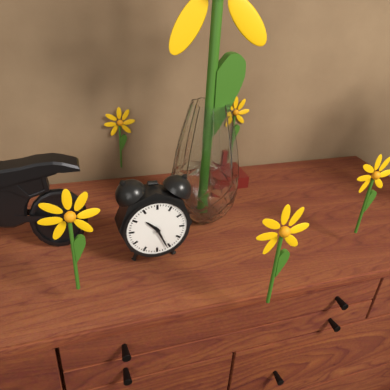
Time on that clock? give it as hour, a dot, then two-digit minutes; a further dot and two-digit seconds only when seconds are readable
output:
10.26
